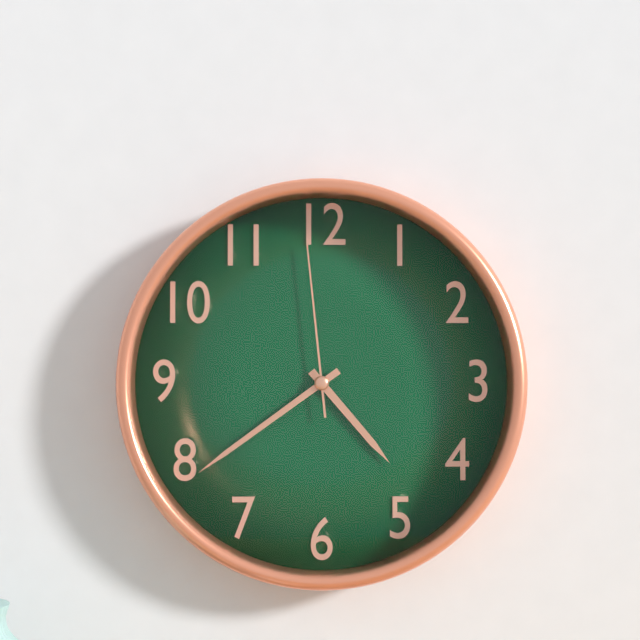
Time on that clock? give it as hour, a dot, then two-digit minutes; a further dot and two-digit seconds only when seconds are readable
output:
4.39.59
